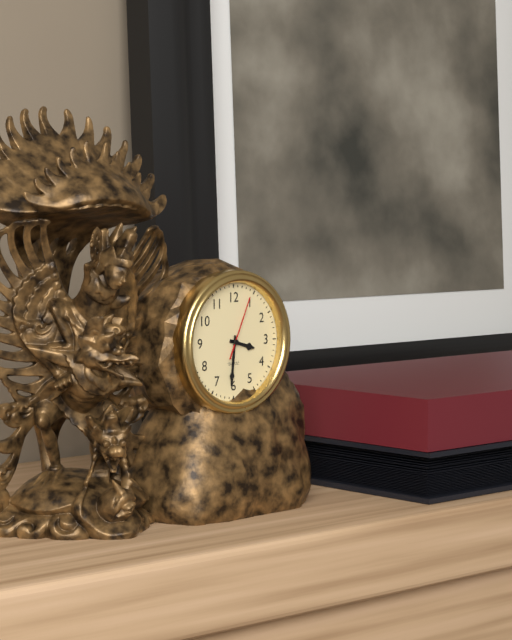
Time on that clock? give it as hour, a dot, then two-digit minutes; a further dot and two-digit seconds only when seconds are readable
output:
3.31.04
